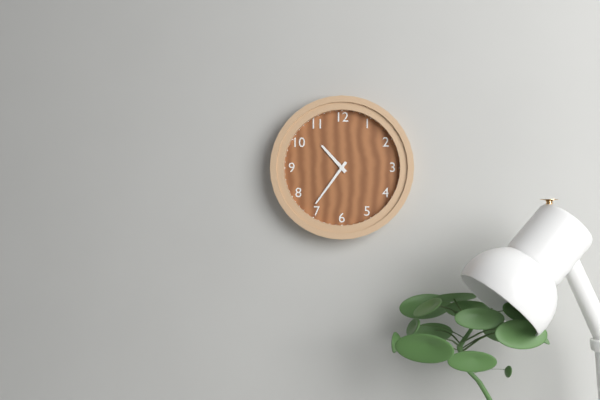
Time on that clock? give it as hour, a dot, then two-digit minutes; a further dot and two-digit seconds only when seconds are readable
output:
10.36
